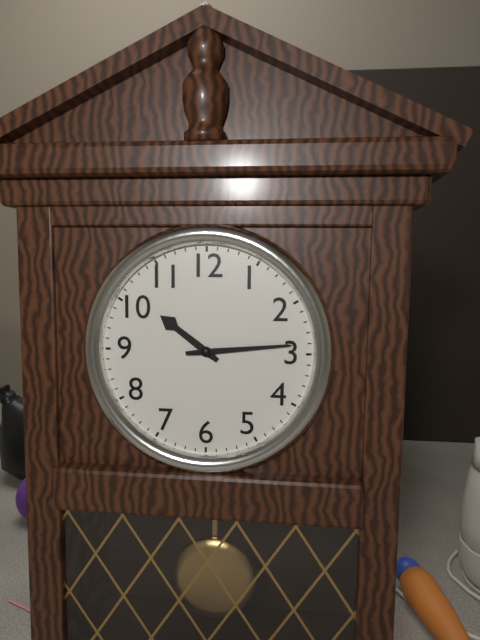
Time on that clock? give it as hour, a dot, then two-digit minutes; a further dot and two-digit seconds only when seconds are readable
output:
10.14
